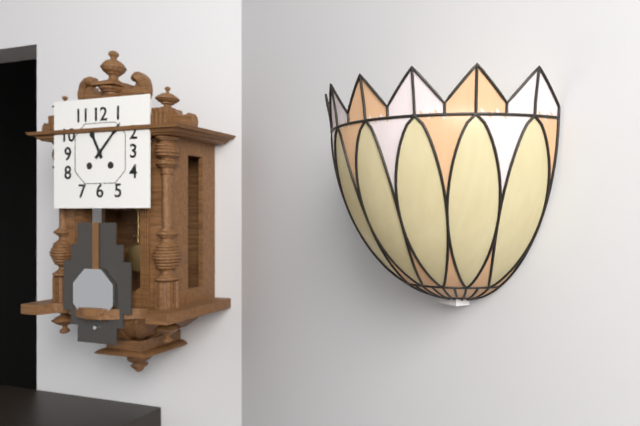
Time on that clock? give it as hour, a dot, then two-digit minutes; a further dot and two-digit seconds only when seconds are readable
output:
11.07
